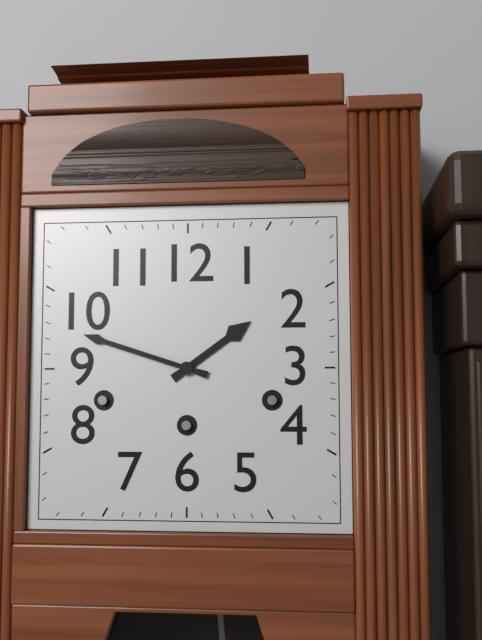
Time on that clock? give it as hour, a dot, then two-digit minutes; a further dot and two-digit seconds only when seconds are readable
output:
1.48
